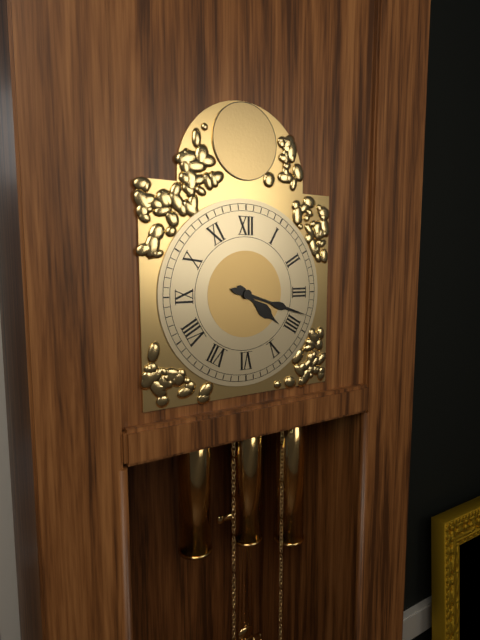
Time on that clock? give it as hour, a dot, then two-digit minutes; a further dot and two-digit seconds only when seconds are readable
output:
4.18
